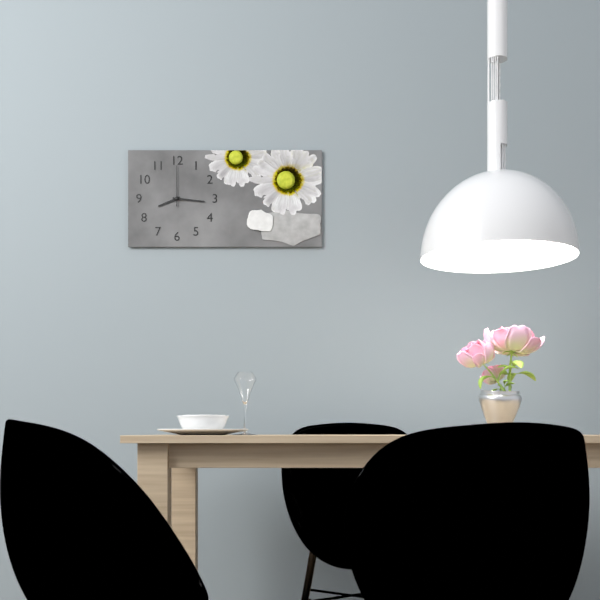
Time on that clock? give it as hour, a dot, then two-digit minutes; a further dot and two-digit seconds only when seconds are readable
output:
8.16
